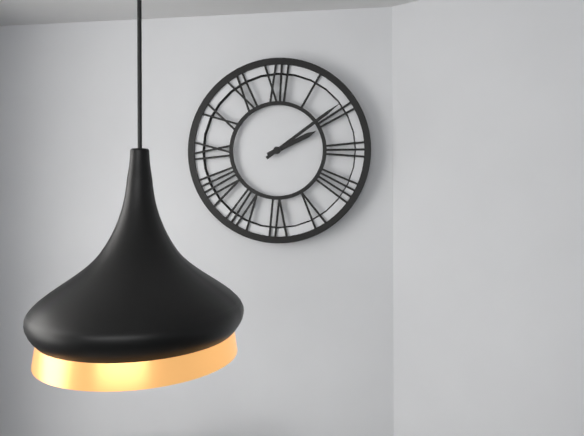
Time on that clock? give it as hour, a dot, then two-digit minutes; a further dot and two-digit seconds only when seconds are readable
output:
2.09
